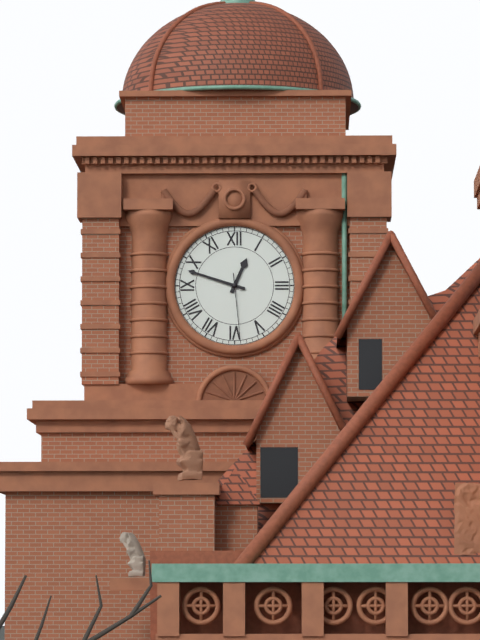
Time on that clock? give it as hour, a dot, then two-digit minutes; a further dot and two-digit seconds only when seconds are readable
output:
12.48.29
